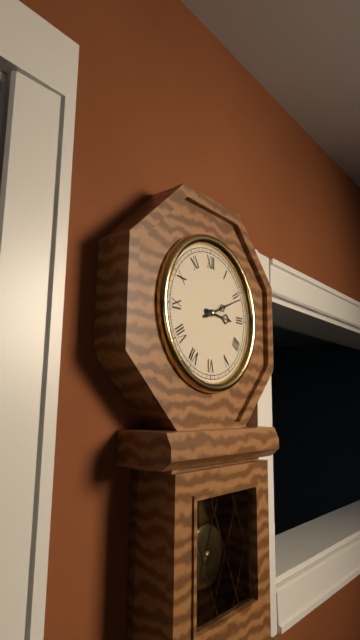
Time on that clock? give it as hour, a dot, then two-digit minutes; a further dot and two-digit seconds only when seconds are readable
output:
3.11
